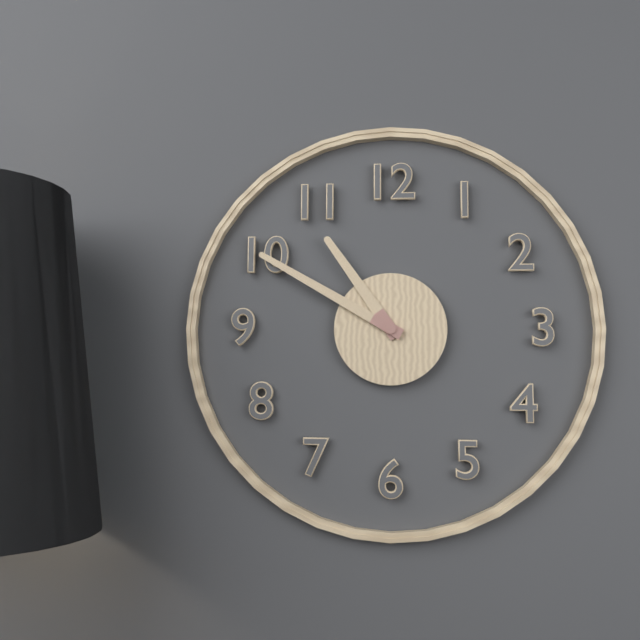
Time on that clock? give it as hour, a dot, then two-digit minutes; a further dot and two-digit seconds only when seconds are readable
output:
10.50
